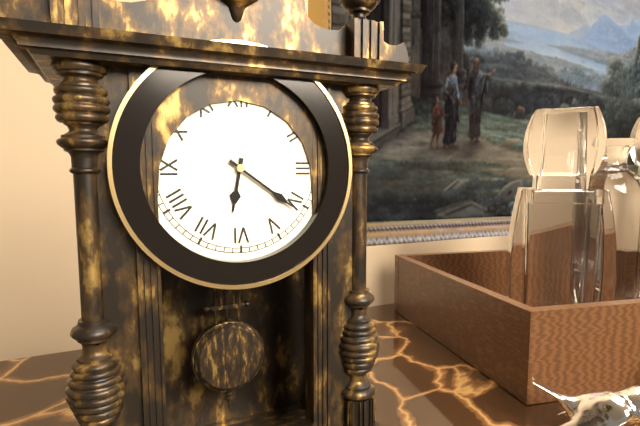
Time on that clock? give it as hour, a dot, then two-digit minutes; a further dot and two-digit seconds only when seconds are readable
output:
6.21
